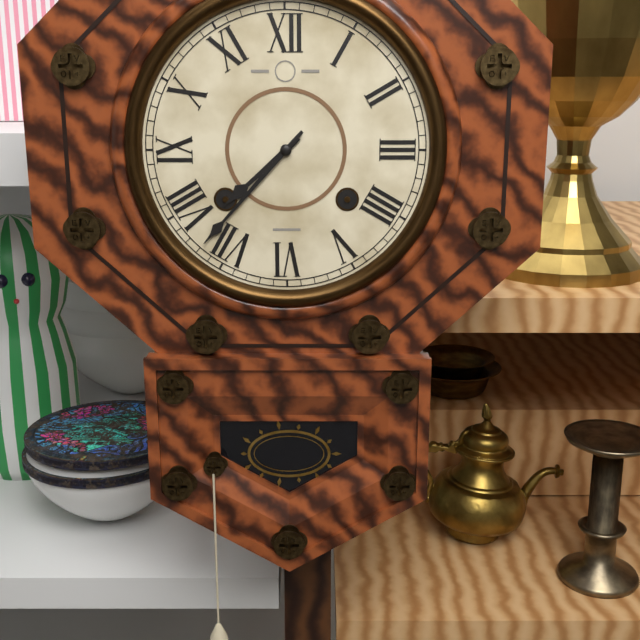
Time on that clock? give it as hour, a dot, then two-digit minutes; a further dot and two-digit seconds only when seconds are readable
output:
7.37
